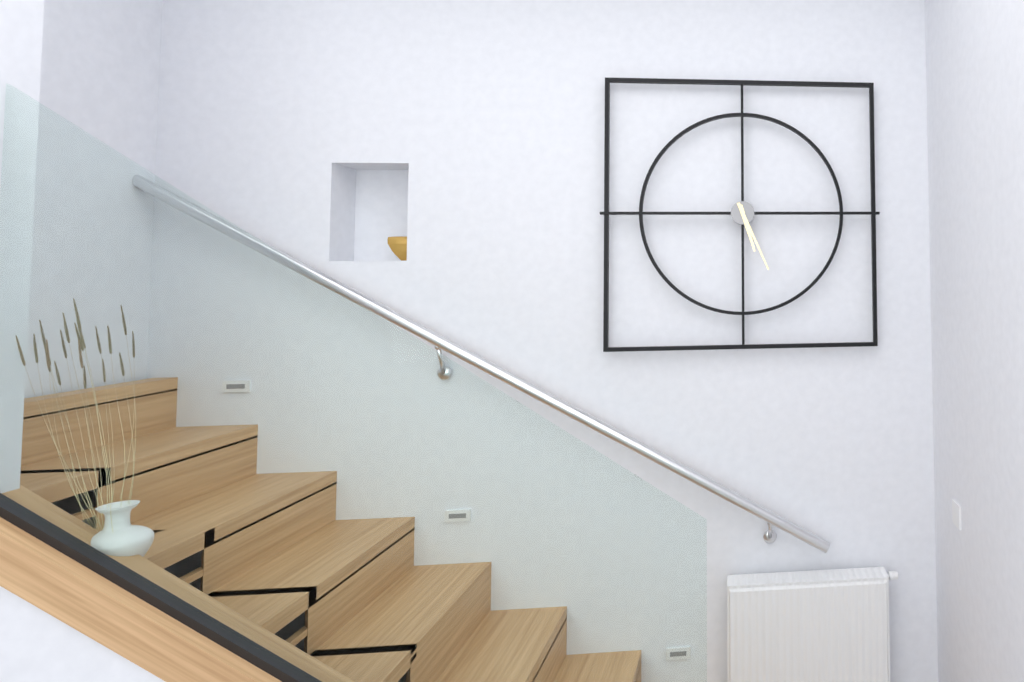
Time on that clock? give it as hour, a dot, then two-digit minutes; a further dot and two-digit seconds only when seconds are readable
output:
5.26
